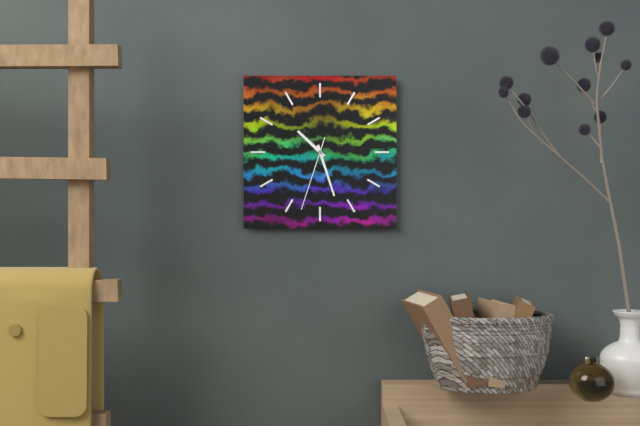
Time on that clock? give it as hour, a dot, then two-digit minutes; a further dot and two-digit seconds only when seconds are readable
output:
10.27.33
